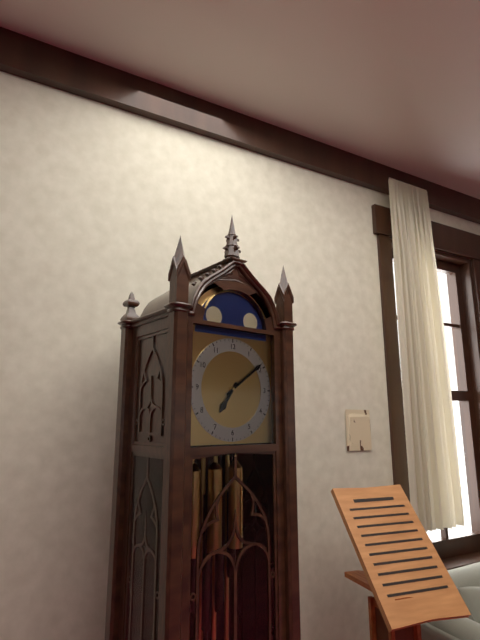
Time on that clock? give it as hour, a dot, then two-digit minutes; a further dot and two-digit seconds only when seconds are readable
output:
7.09
